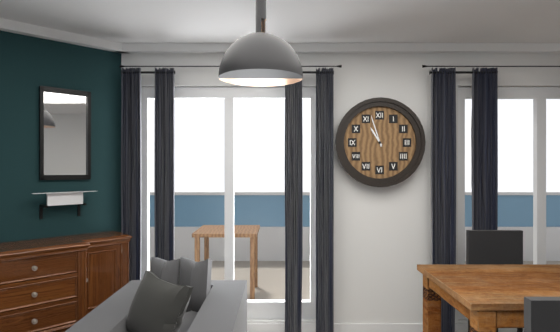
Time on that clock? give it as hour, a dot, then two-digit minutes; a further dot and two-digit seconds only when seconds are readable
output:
10.57
